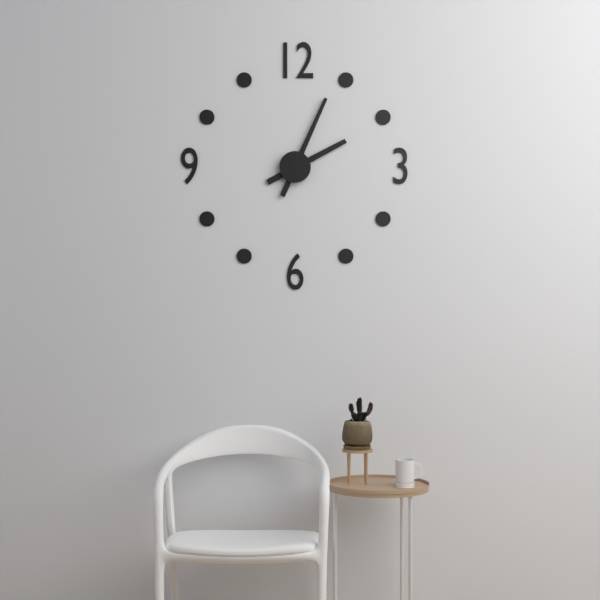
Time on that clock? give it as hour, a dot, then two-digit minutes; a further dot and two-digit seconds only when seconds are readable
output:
2.04
